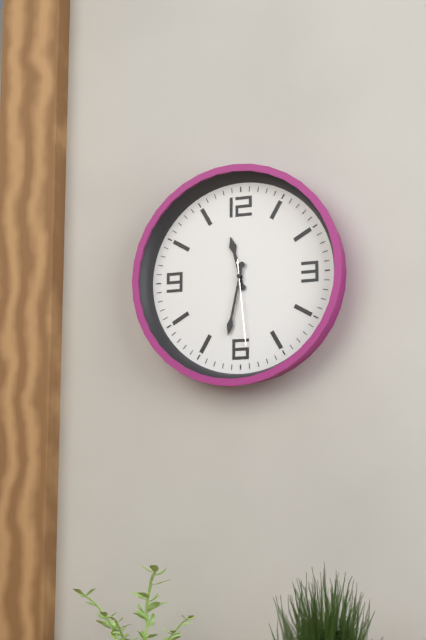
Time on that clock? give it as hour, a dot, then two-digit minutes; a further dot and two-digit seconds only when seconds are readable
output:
11.32.29
